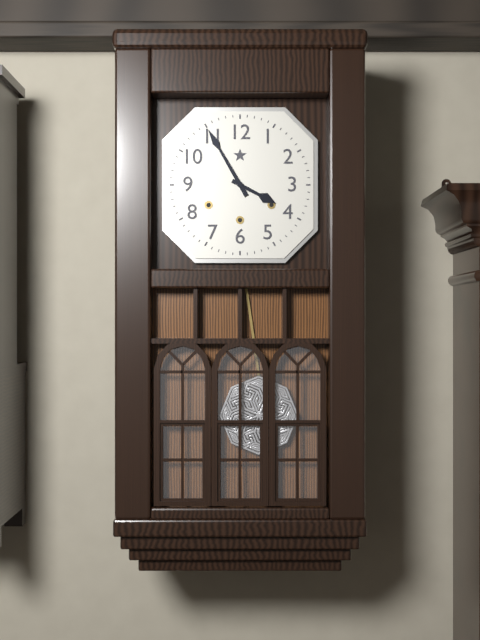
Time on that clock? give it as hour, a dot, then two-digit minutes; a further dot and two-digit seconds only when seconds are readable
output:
3.55
